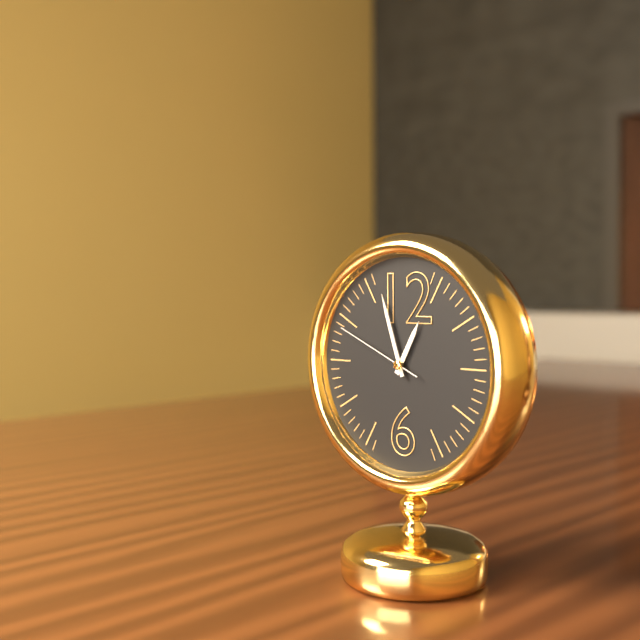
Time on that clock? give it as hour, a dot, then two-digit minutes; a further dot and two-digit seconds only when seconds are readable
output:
12.57.49
